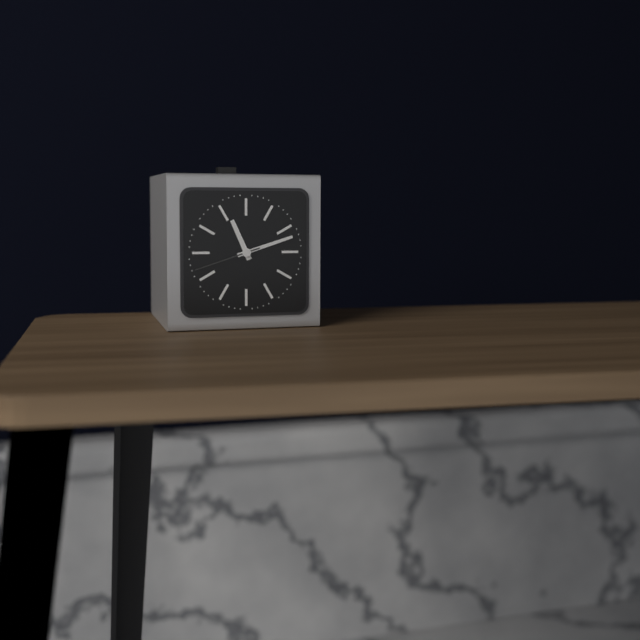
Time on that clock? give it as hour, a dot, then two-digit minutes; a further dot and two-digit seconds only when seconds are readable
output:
11.12.42
